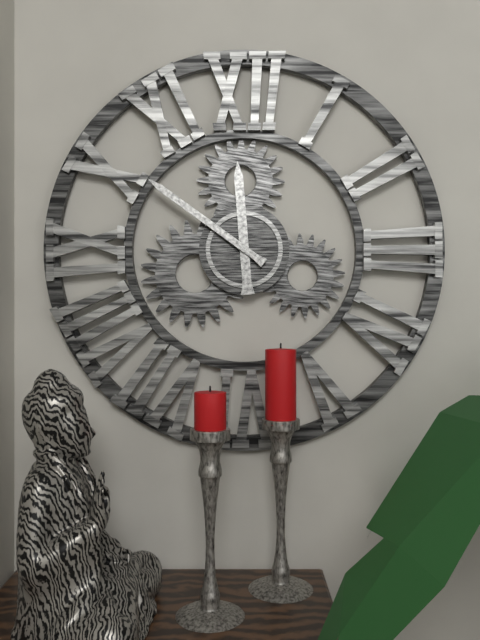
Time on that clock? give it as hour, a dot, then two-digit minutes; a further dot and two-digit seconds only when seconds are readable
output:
11.51
